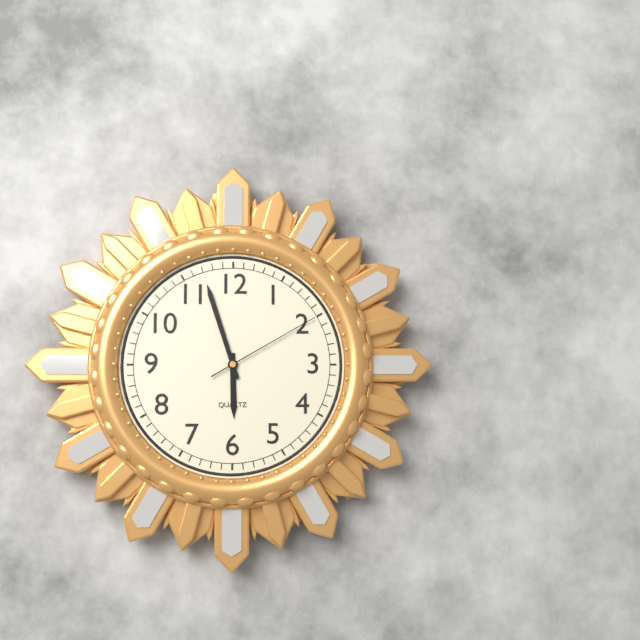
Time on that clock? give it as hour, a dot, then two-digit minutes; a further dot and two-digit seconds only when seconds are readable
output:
5.57.10
